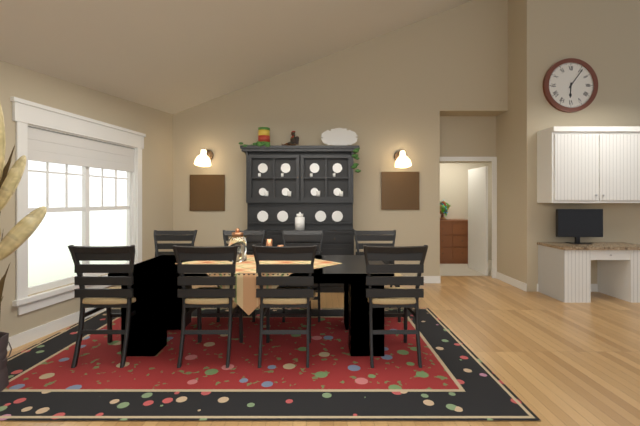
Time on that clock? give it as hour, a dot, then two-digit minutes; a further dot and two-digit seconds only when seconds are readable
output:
6.06
